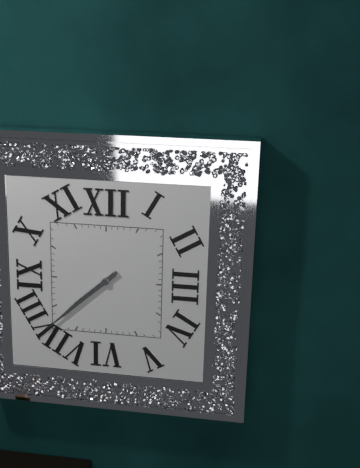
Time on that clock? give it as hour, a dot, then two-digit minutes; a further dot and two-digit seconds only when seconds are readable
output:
7.38
